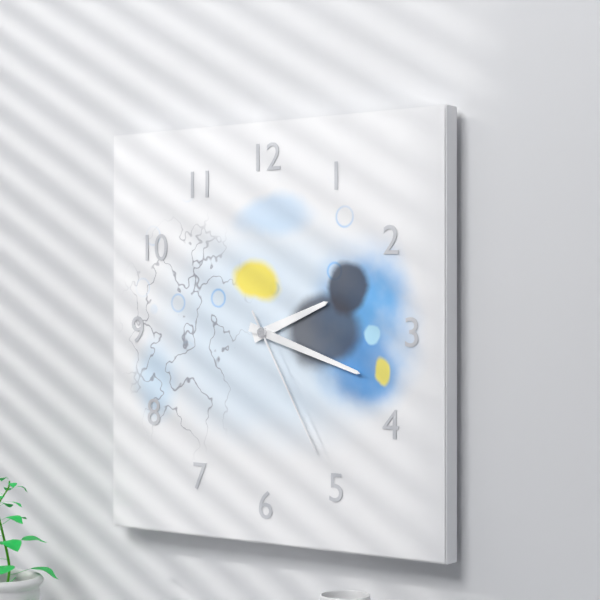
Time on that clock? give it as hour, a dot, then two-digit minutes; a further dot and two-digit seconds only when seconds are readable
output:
2.18.25
